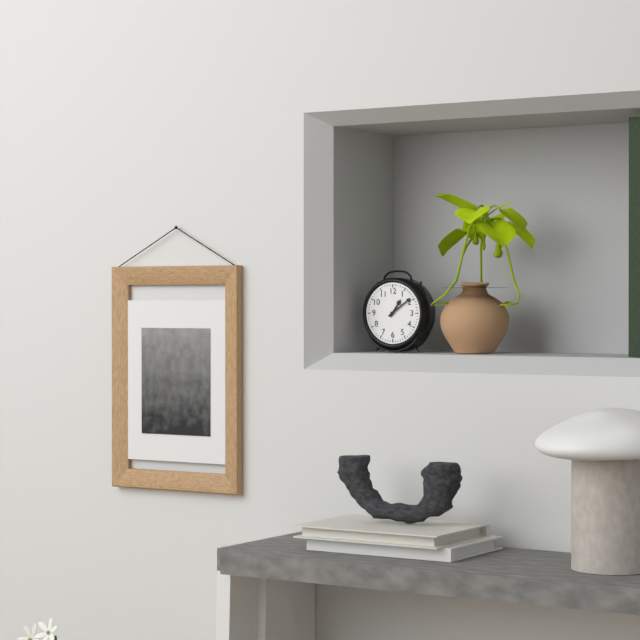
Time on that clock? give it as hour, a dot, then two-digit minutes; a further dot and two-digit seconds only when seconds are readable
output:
1.09
